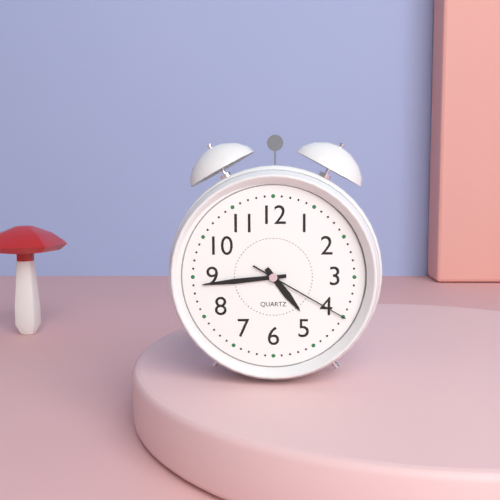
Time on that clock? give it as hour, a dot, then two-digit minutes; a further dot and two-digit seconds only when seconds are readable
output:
4.44.20
